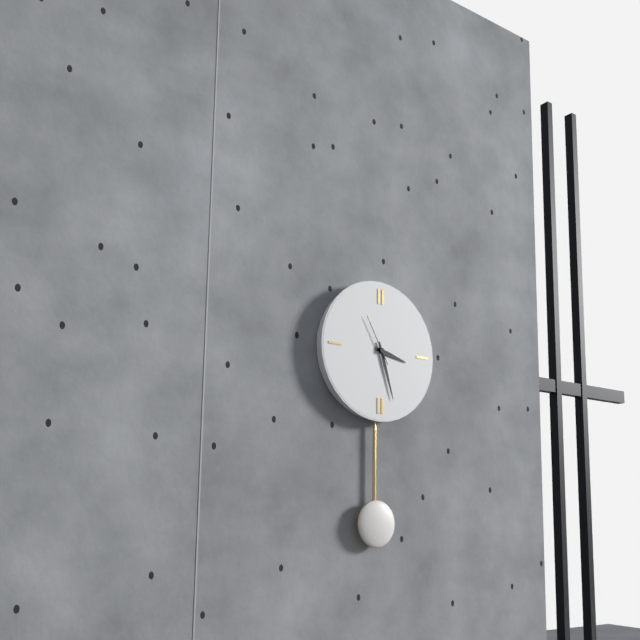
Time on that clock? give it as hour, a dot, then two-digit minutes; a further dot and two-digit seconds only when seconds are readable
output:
3.27
